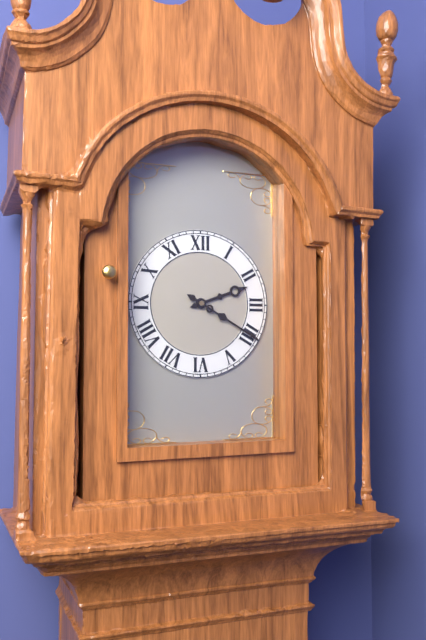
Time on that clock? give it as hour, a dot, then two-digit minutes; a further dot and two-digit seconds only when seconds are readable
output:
2.20
